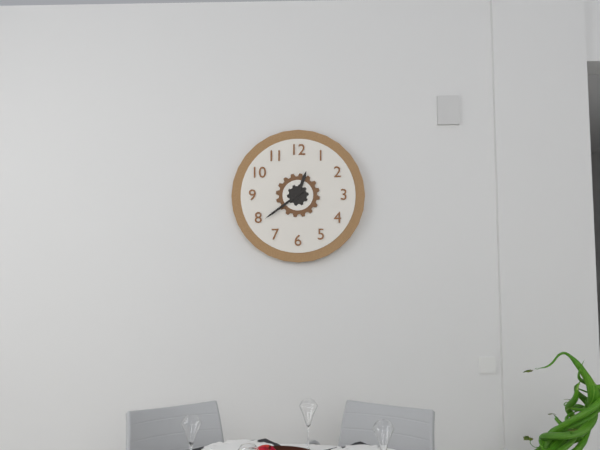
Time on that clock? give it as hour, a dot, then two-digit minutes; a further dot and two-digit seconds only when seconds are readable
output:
12.39
